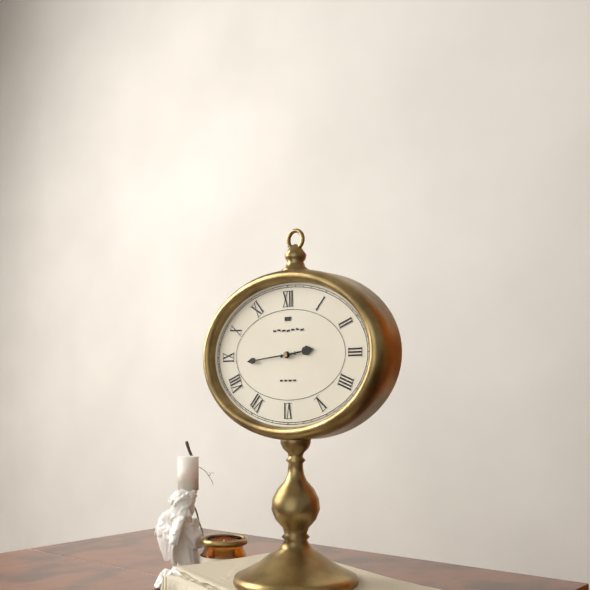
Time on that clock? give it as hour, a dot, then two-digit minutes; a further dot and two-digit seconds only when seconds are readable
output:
2.44
